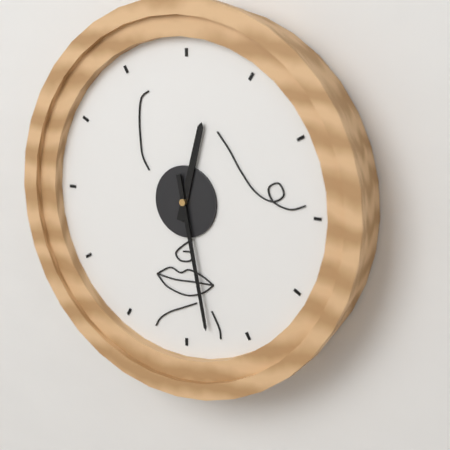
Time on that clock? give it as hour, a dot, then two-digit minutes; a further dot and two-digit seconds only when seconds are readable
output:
12.28
